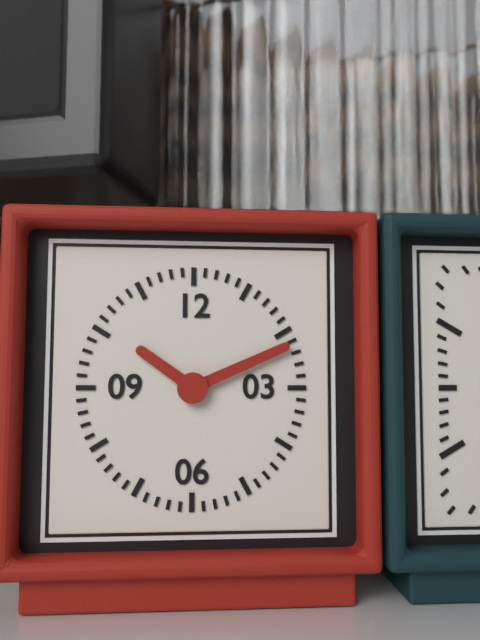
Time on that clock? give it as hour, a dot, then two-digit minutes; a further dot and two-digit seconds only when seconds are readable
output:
10.11
